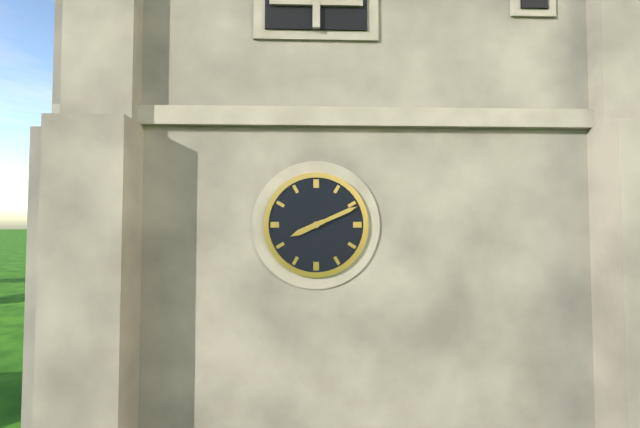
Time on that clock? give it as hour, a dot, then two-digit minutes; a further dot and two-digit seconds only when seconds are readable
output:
8.11
